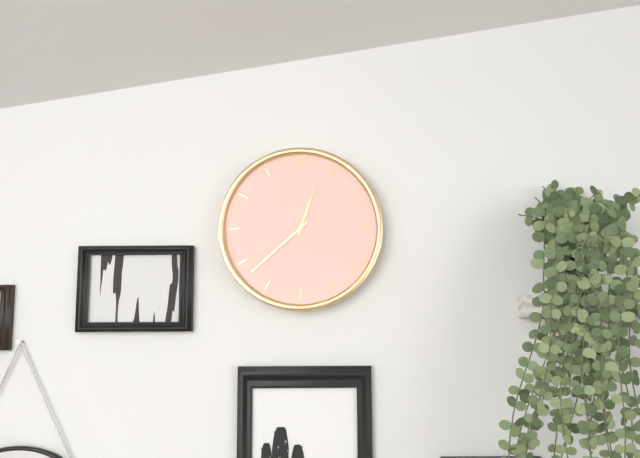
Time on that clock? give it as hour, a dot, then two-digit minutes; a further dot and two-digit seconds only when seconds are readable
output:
12.38
